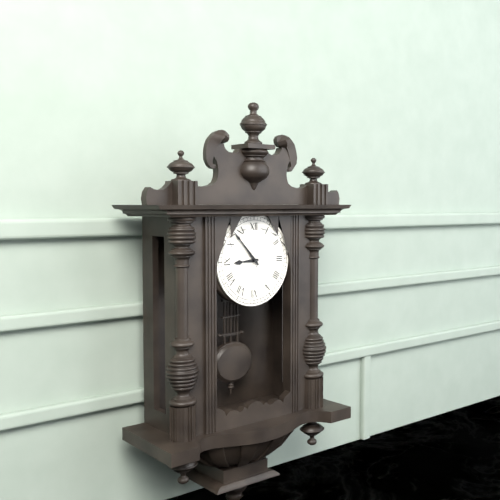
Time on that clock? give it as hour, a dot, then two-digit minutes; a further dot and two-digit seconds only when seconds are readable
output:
8.53
